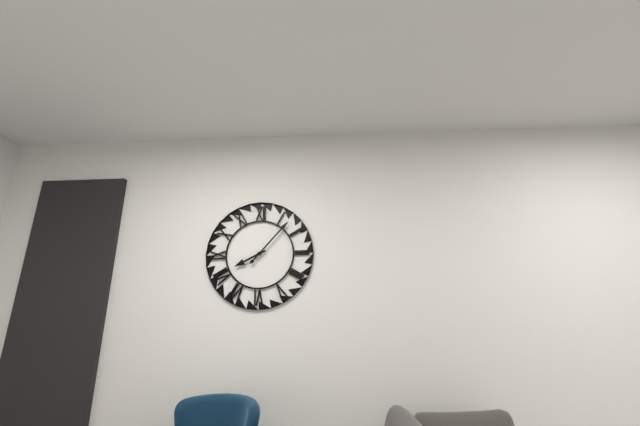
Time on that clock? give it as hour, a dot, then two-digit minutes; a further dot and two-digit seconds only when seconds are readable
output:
8.07
